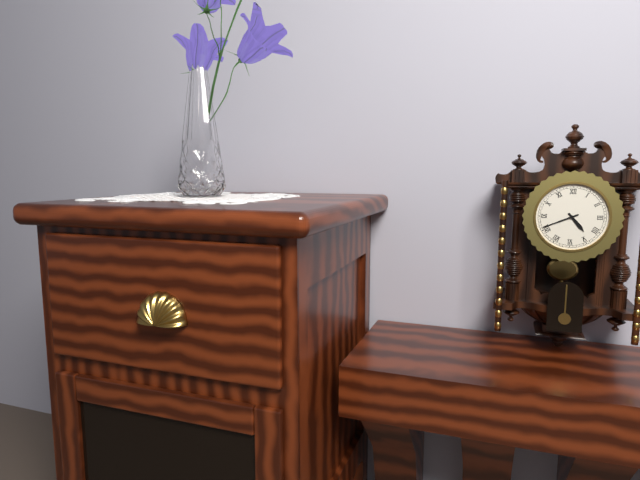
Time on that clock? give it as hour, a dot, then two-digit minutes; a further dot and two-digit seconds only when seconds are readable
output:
4.41
